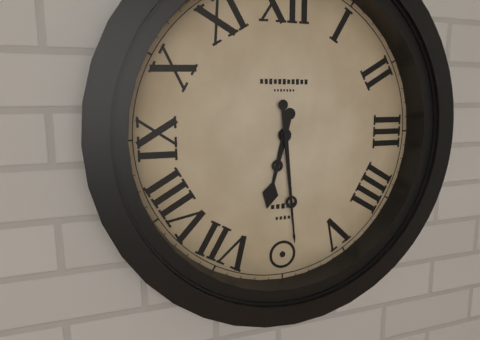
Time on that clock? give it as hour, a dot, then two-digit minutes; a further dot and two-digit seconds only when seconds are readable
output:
6.29
